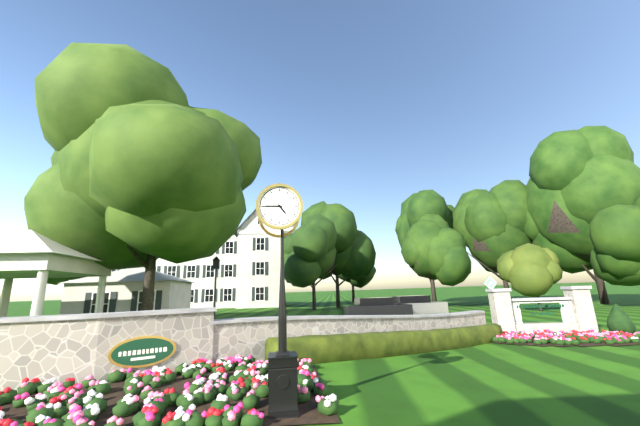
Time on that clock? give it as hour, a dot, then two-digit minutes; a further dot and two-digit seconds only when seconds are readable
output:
4.45
